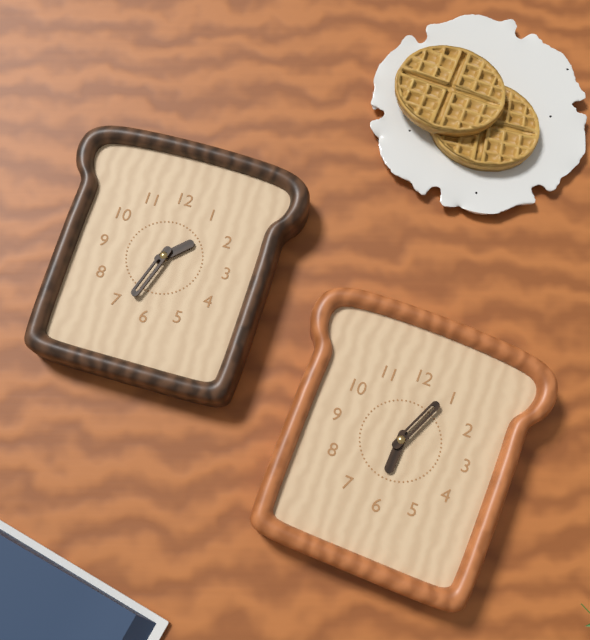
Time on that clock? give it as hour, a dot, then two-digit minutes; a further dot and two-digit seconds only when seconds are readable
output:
6.04
